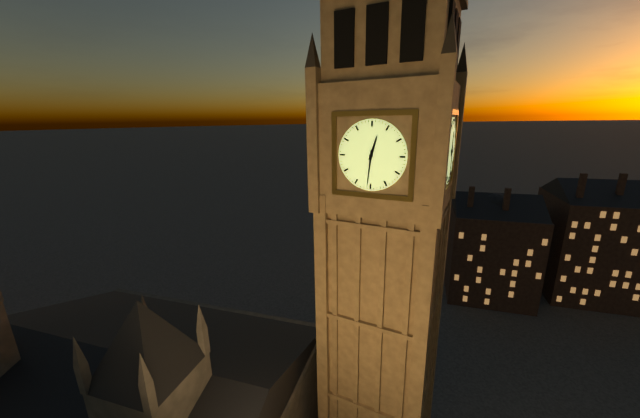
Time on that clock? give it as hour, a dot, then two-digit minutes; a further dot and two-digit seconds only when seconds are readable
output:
12.31
